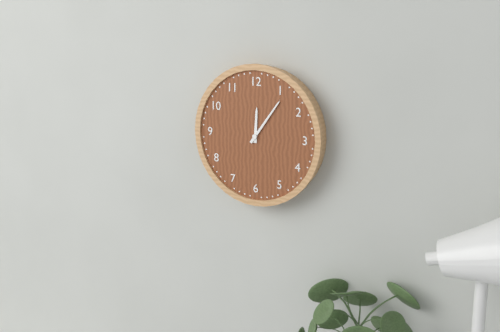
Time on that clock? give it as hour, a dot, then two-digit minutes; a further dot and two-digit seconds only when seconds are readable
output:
12.06
